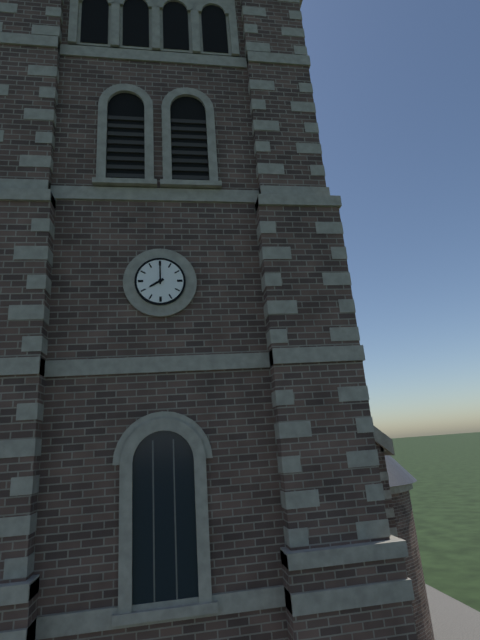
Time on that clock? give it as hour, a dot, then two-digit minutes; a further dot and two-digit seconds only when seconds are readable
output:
8.00
